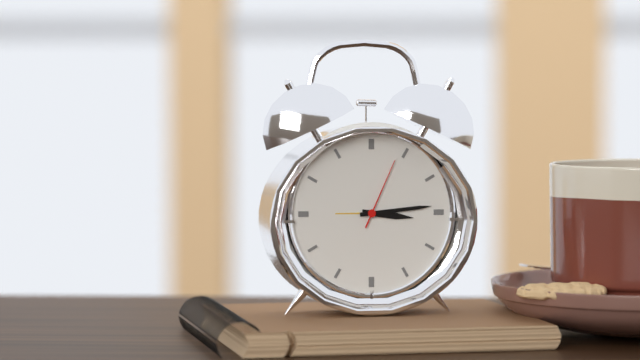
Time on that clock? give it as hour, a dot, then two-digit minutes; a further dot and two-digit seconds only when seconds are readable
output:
3.14.04
